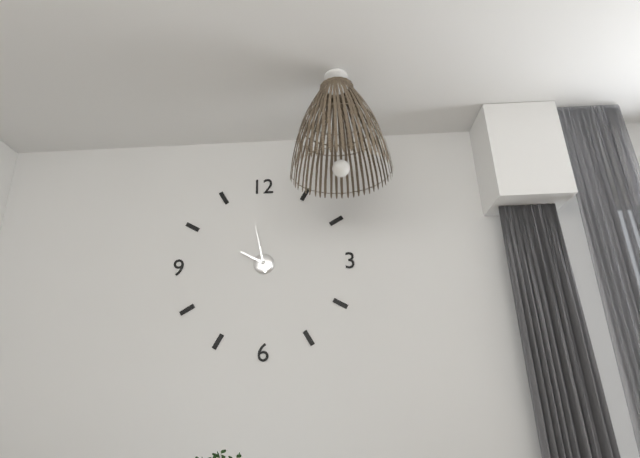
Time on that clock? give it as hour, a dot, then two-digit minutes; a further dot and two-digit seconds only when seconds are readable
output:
9.58
